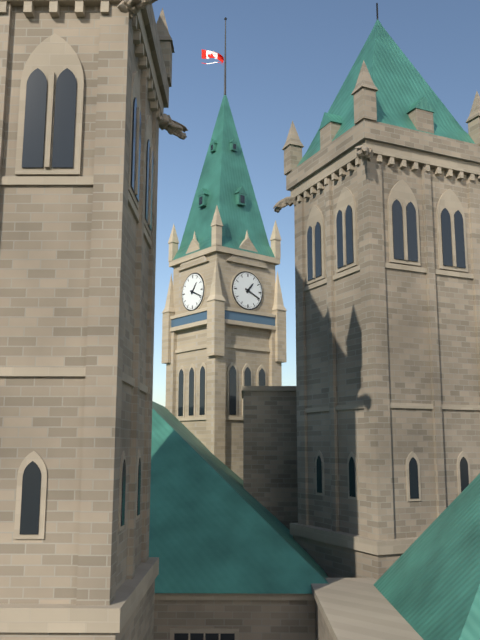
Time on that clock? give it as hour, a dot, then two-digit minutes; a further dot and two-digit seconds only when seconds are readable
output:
1.19
